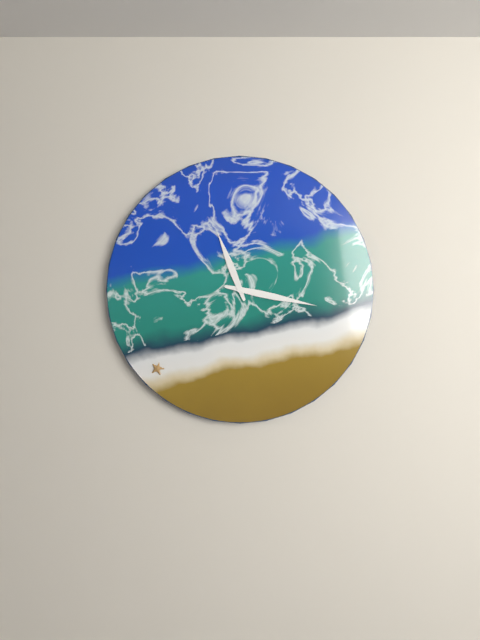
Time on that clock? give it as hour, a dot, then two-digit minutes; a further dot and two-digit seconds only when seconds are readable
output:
11.17
